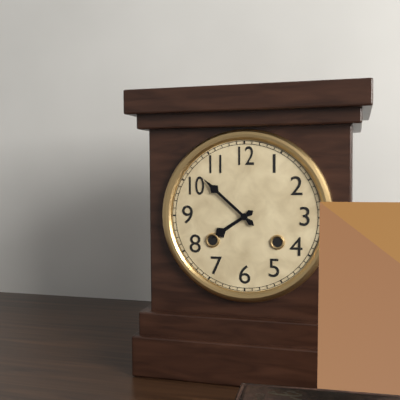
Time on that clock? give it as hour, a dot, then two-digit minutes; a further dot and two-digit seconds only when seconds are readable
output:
7.52
